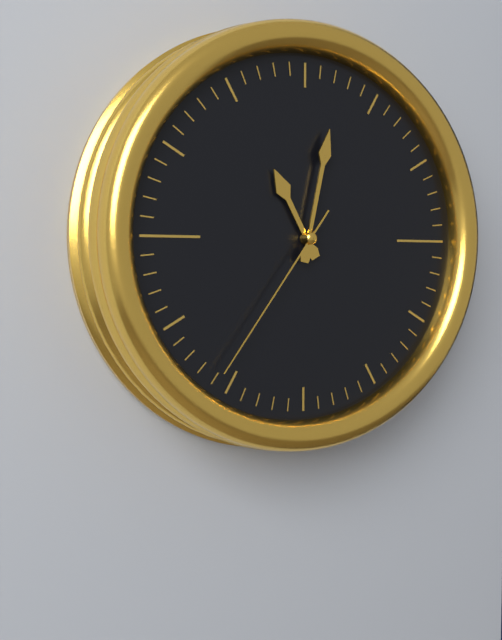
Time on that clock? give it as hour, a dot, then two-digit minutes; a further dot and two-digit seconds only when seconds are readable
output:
11.02.36
